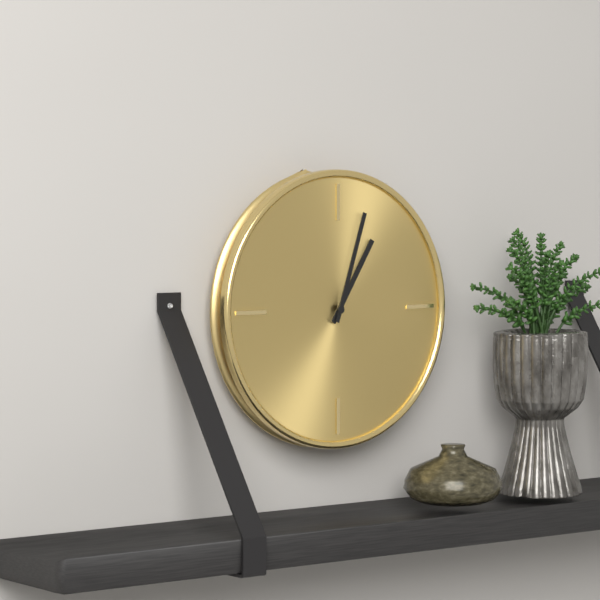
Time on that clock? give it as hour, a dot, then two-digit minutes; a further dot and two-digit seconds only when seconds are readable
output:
1.03
